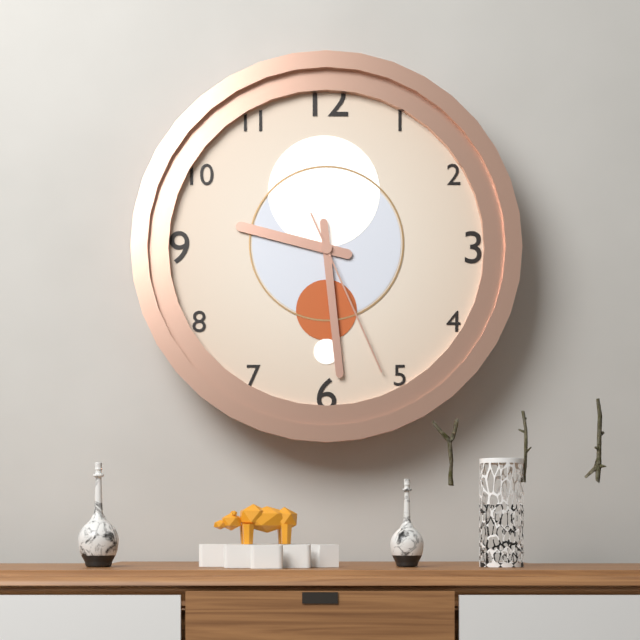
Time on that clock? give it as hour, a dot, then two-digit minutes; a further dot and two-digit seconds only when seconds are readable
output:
9.29.26
